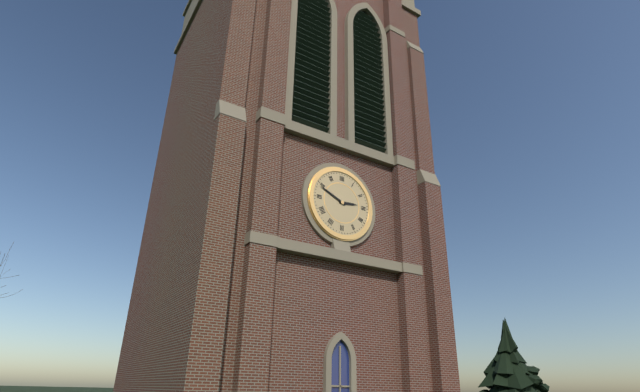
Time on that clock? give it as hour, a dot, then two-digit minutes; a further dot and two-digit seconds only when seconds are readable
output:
2.49
